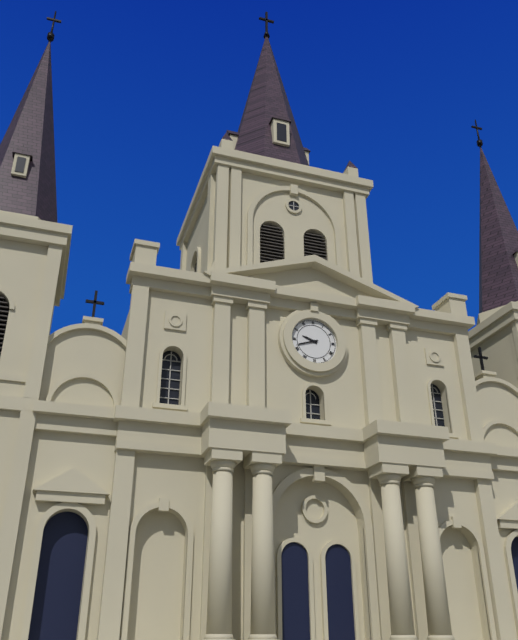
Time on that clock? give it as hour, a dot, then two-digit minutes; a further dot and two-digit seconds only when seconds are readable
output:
9.42
